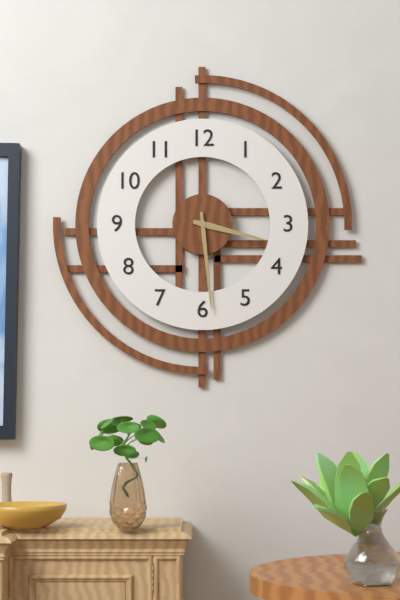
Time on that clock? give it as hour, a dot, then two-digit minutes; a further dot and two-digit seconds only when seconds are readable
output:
3.29
